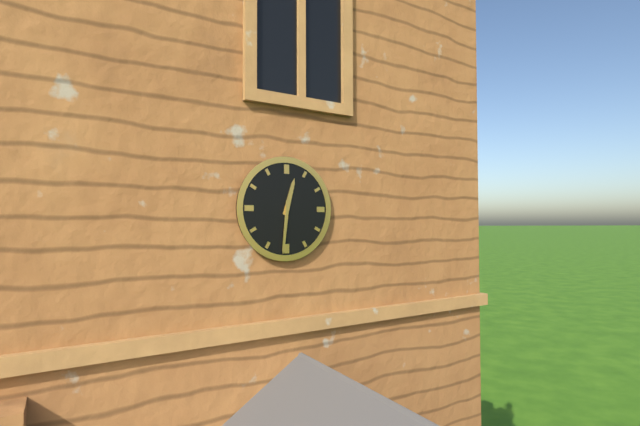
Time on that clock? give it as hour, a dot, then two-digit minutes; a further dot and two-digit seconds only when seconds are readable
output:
12.31
